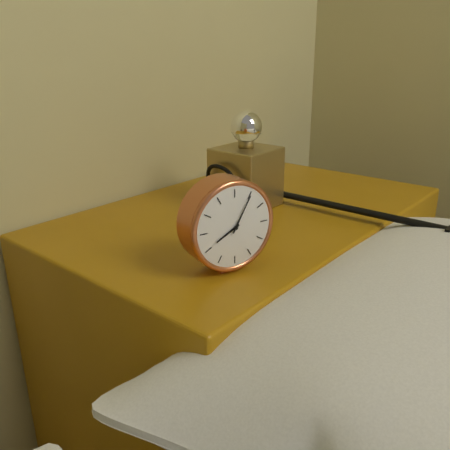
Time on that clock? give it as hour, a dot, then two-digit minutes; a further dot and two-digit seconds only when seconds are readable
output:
8.05
